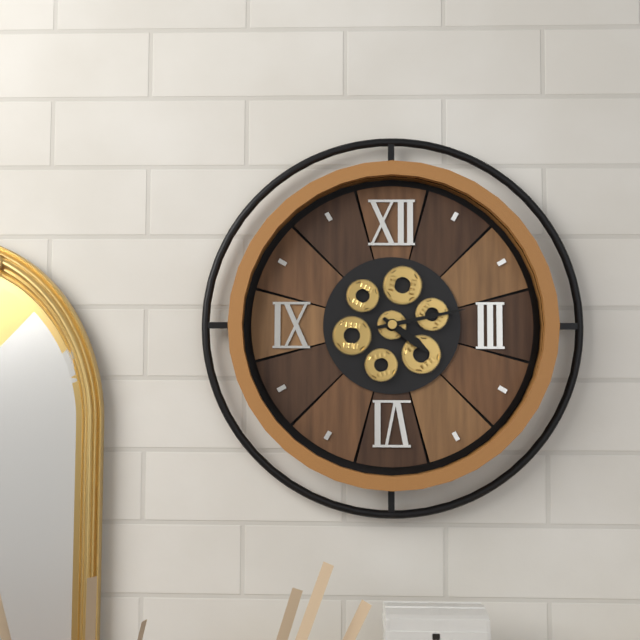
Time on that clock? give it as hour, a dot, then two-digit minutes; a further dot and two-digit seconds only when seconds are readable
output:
4.13
